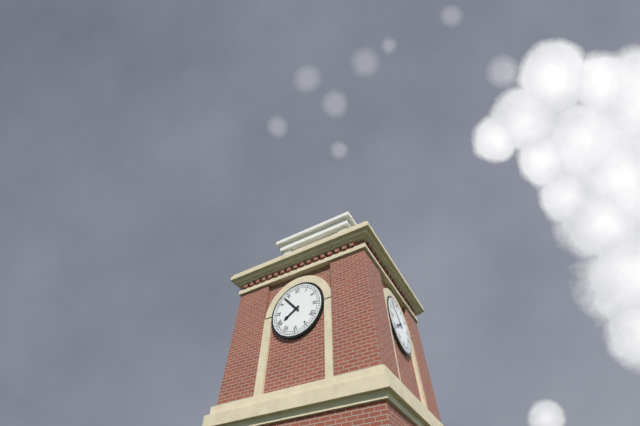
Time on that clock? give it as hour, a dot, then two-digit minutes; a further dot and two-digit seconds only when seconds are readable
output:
7.53
